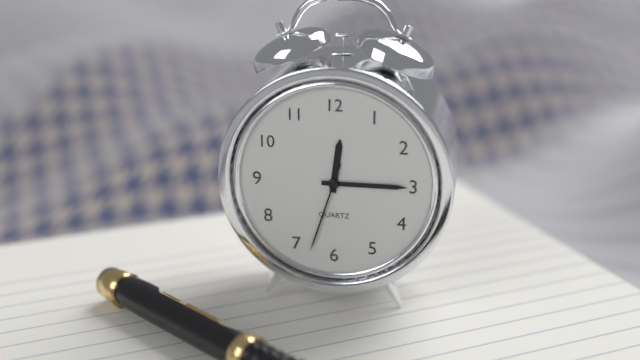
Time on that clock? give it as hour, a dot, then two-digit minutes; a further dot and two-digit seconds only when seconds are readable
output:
12.15.33
